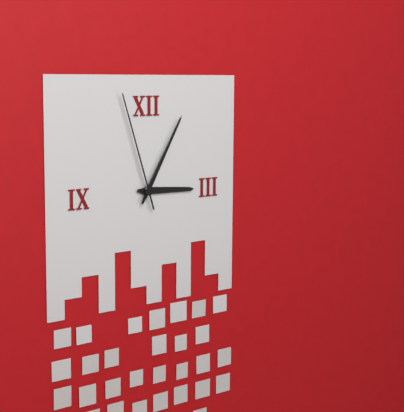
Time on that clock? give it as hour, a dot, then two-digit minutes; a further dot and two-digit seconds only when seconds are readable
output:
3.05.57
